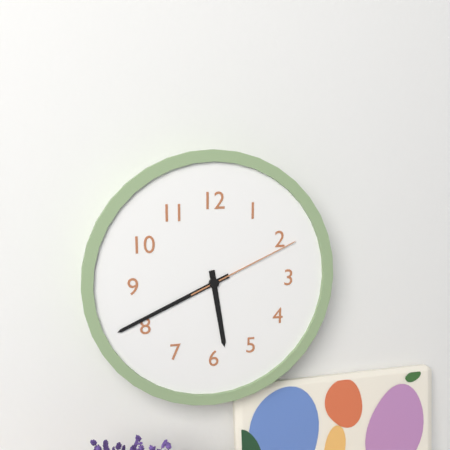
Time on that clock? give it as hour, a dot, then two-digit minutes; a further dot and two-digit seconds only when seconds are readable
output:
5.41.11
